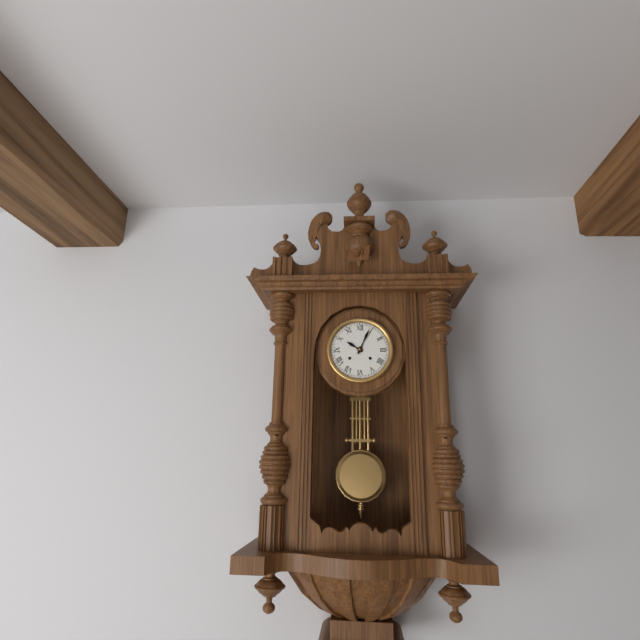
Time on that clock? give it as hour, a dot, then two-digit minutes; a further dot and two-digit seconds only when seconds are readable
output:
10.04
